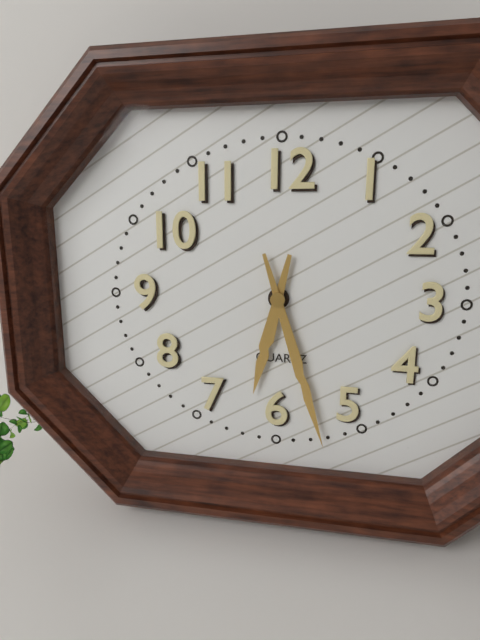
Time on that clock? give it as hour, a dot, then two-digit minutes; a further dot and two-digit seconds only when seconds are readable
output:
6.27
